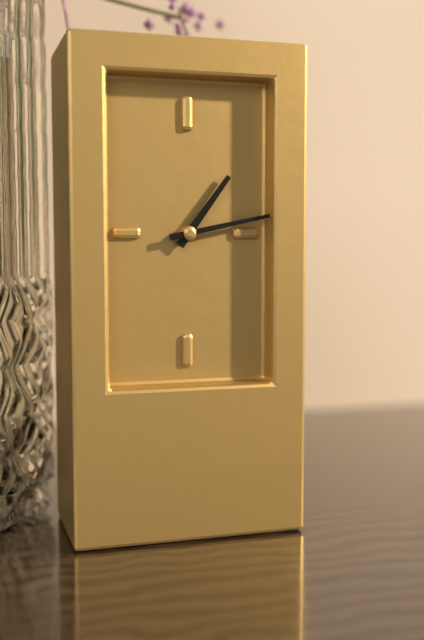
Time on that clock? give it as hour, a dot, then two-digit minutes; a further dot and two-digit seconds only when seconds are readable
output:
1.13
